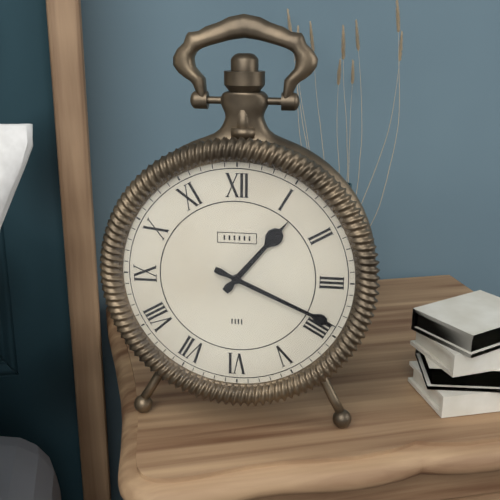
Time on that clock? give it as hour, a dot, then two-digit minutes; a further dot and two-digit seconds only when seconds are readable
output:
1.19
